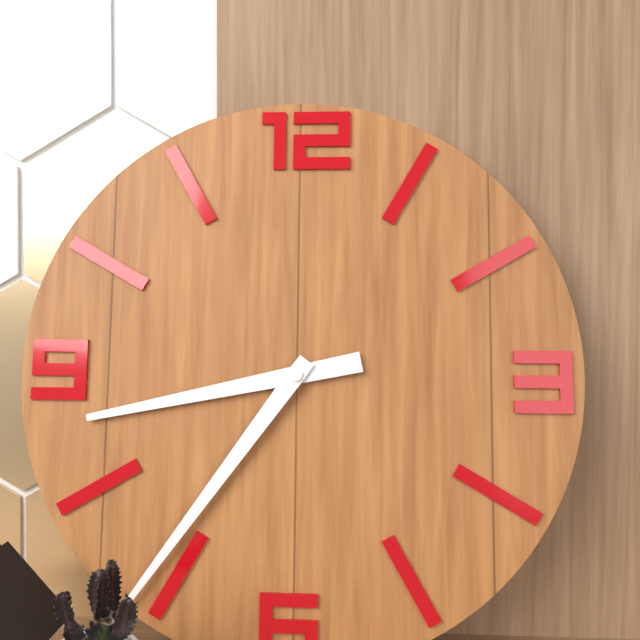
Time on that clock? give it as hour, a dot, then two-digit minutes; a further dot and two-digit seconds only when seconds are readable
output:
8.36
